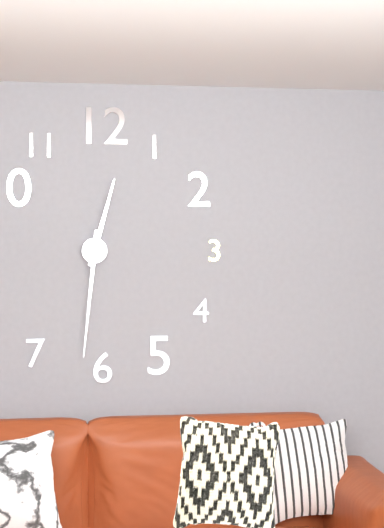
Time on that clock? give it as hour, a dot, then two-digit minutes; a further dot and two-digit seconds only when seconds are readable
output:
12.31
